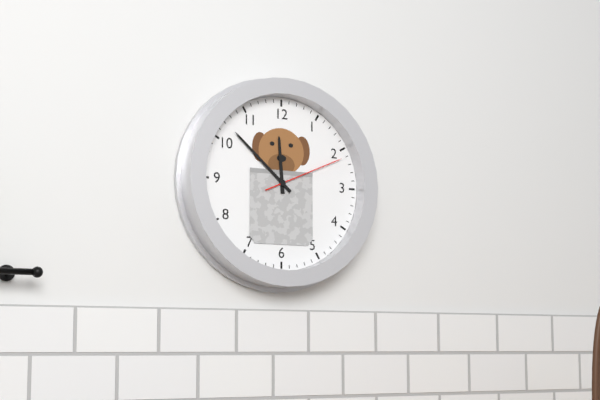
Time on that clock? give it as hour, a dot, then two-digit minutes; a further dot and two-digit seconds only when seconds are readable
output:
11.52.11
